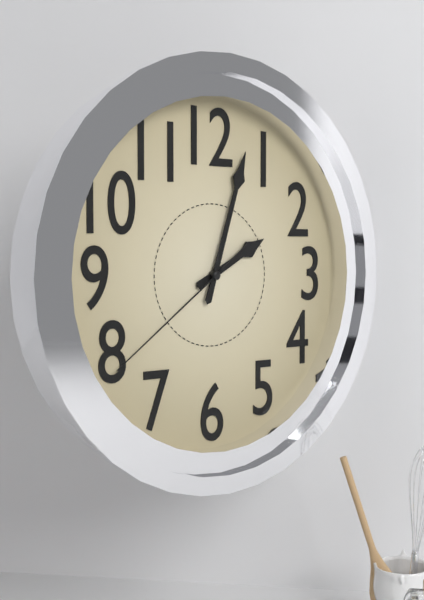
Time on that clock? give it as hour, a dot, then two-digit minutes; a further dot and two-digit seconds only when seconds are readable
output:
2.03.39
